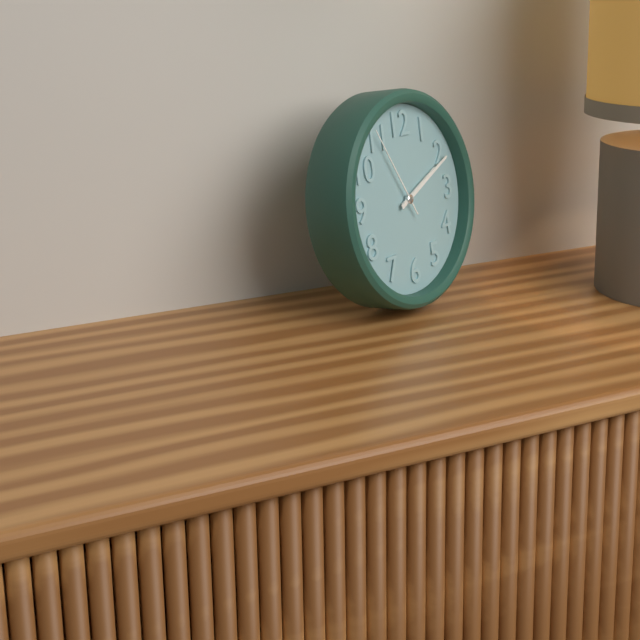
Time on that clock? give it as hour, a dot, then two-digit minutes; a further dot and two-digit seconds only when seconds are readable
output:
2.11.55
